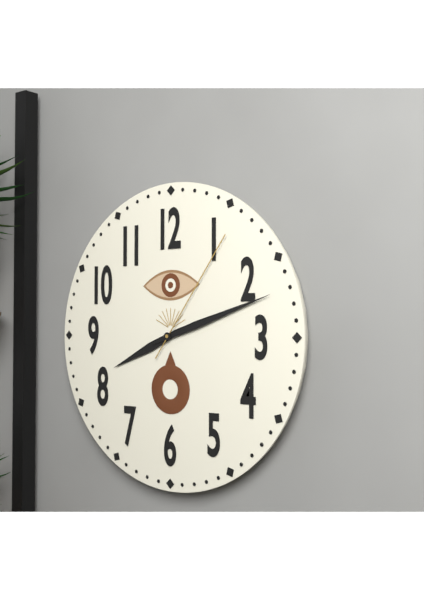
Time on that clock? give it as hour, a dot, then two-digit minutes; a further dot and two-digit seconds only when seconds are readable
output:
8.12.06
